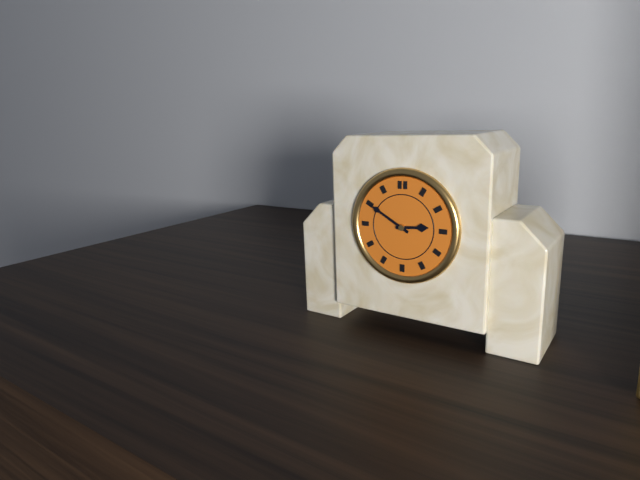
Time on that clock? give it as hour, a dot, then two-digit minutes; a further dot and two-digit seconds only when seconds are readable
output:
2.50
